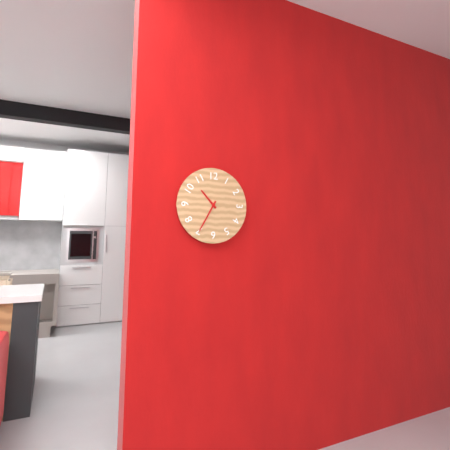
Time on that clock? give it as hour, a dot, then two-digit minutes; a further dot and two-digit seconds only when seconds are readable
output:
10.35
